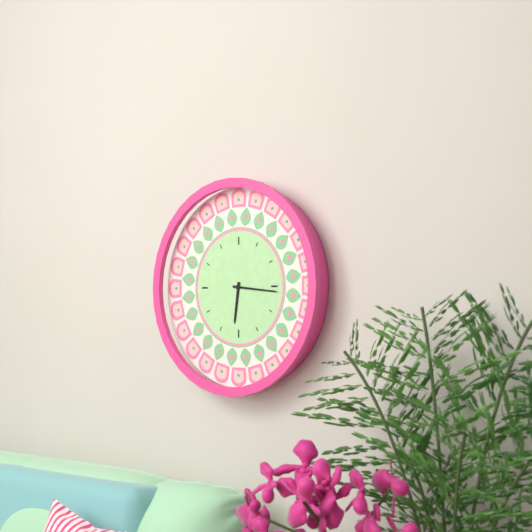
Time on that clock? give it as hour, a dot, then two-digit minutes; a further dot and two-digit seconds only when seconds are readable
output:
6.16
